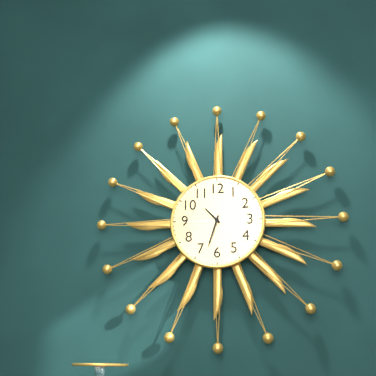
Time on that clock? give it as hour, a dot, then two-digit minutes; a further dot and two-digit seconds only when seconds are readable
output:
10.33
